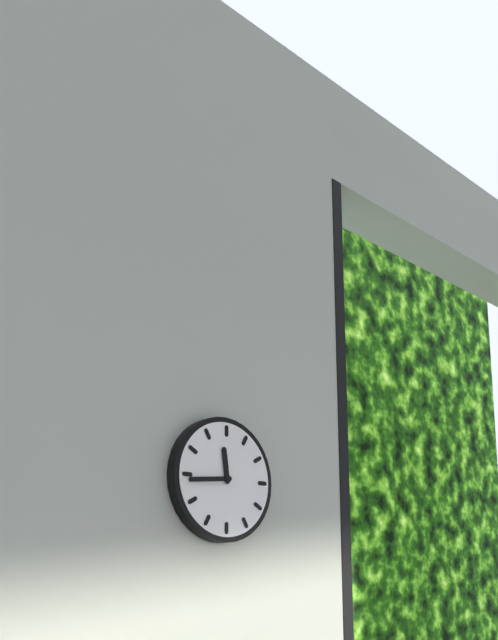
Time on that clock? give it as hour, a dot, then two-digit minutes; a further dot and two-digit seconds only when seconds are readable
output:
11.44
